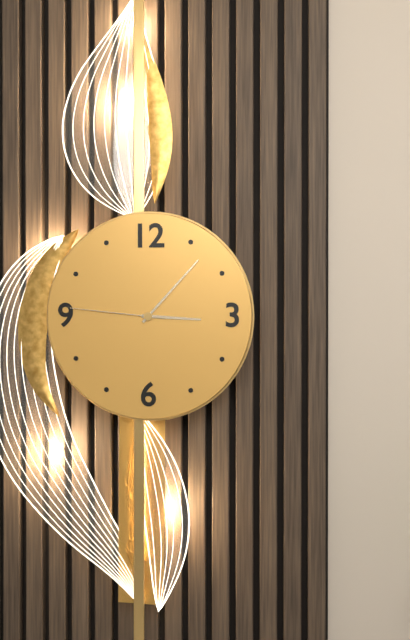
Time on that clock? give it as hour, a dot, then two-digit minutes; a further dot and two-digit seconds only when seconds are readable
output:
3.07.46
